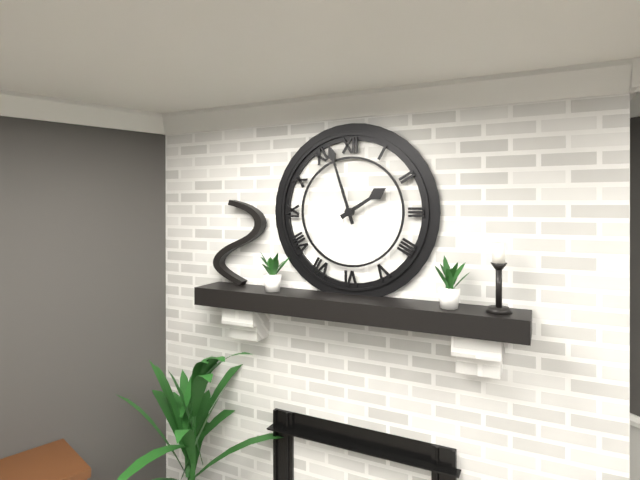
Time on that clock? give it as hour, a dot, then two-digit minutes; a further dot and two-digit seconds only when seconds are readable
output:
1.57
